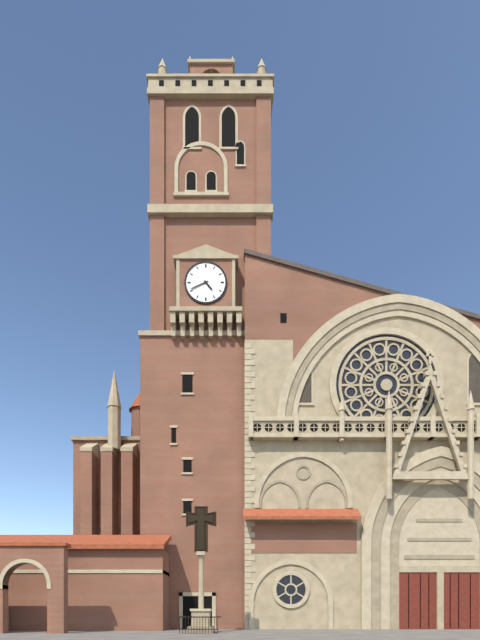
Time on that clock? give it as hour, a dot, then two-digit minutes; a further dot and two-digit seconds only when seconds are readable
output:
4.41
